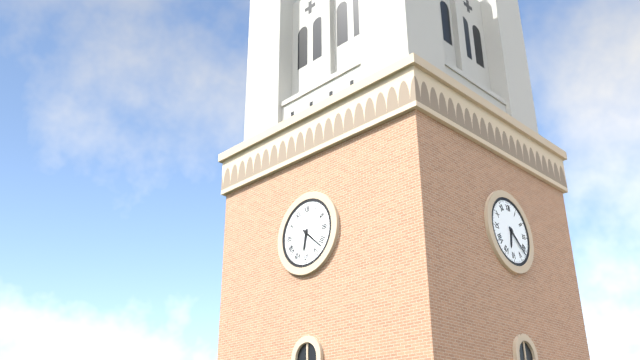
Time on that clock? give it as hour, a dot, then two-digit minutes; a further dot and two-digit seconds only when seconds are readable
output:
6.22
